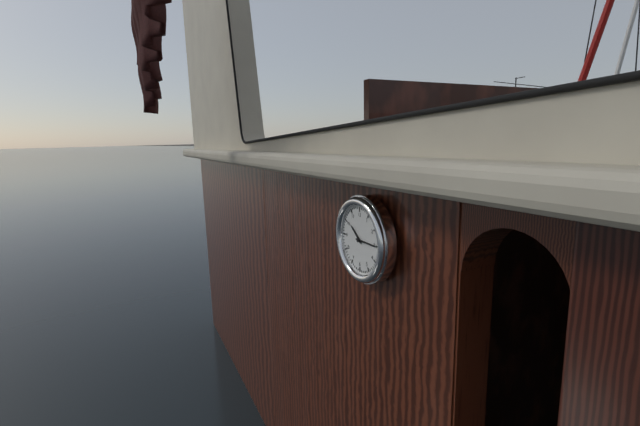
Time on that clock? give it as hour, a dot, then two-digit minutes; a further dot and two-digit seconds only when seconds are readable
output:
10.15
